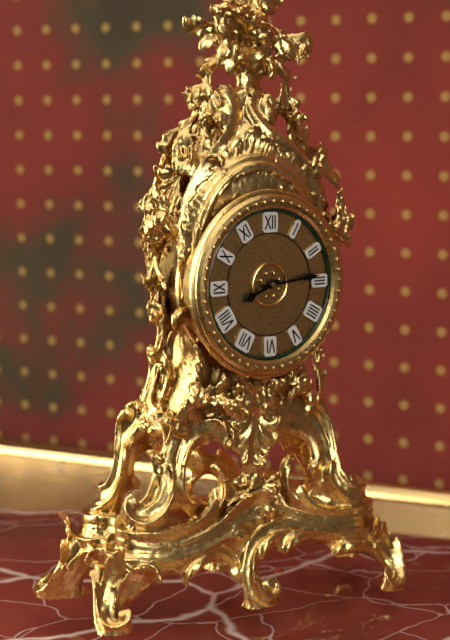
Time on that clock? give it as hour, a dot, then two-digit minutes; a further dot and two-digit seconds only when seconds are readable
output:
8.14
